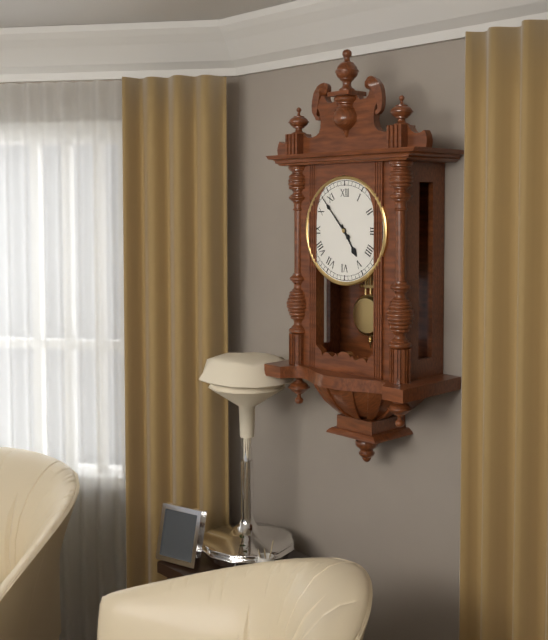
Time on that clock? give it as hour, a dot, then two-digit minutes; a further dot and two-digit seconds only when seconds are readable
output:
4.53
